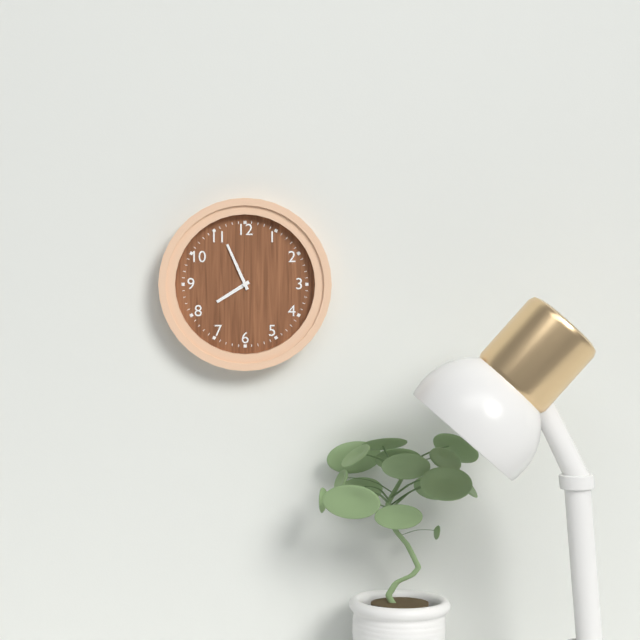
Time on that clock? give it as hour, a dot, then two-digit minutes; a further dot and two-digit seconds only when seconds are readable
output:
7.56
